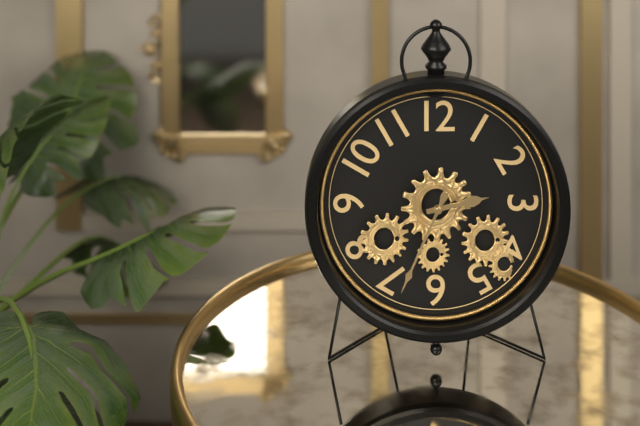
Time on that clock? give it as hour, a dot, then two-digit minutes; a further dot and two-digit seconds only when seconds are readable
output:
2.34
